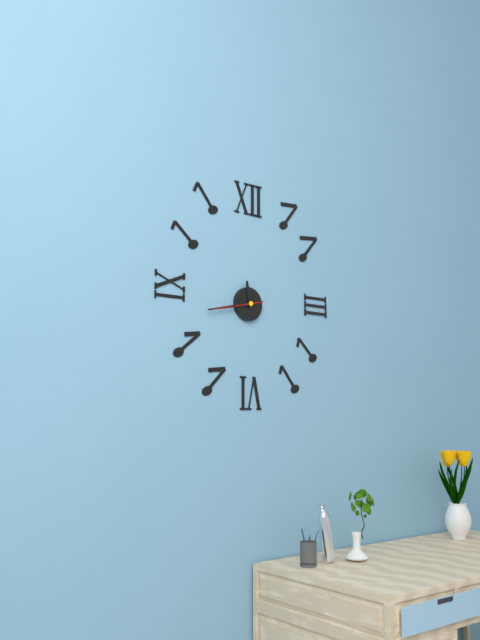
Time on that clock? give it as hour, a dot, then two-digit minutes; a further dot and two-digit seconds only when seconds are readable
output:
11.43
